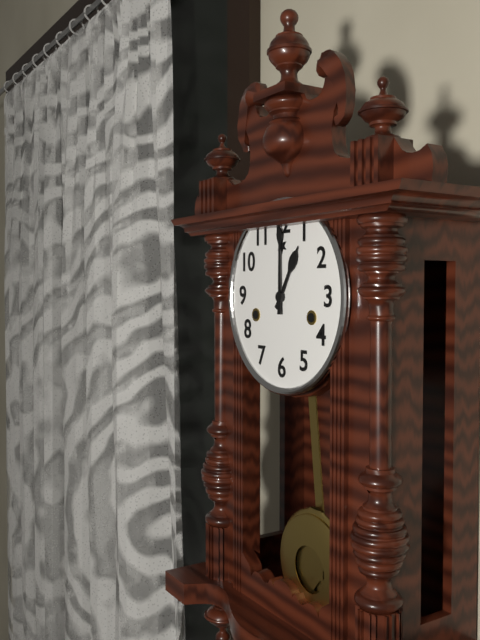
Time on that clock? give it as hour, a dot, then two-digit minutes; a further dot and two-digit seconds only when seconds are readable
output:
1.00
